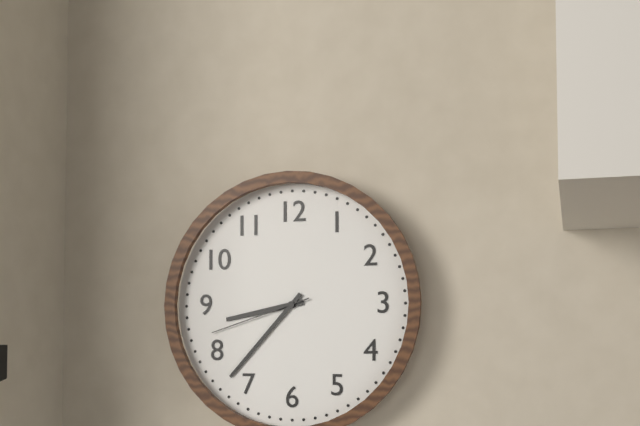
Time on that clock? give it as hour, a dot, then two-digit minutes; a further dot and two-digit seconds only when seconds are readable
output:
8.37.42
